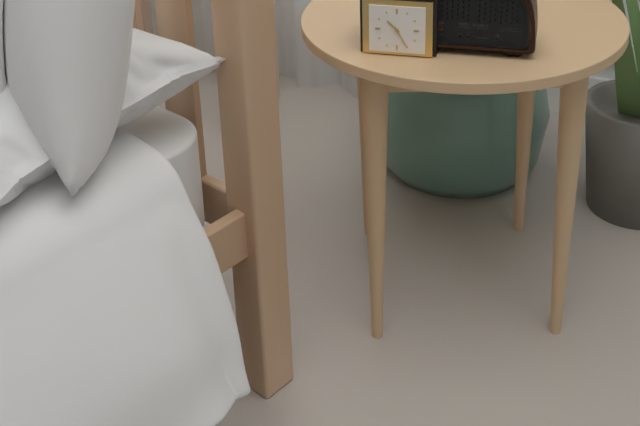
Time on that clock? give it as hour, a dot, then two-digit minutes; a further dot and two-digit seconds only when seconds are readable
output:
10.25
